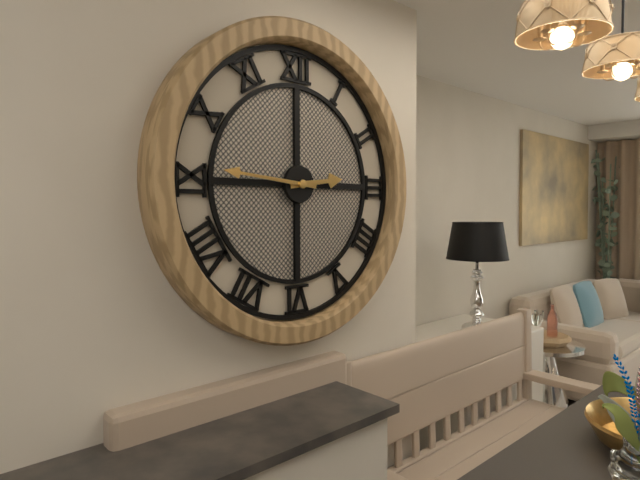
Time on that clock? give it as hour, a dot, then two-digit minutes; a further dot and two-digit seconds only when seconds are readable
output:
2.46
